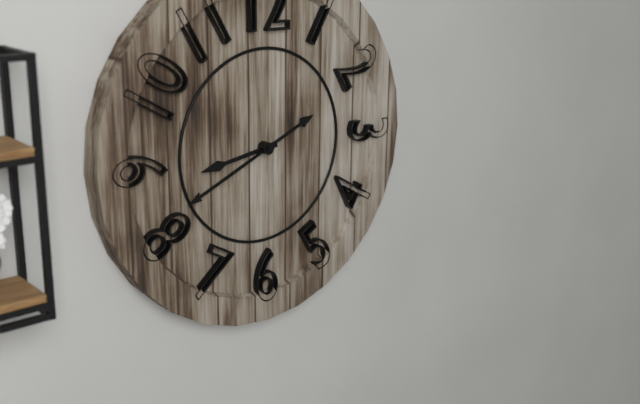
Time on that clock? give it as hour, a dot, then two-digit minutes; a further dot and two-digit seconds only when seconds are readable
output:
8.41
